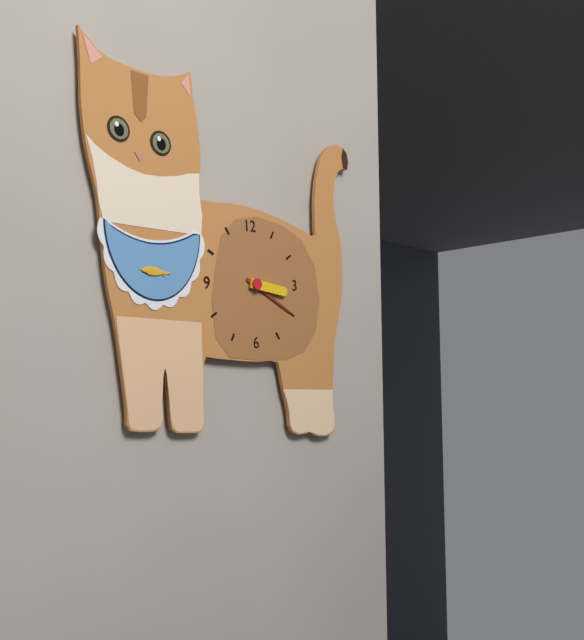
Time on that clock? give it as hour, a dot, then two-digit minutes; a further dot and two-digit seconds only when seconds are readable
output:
3.20
